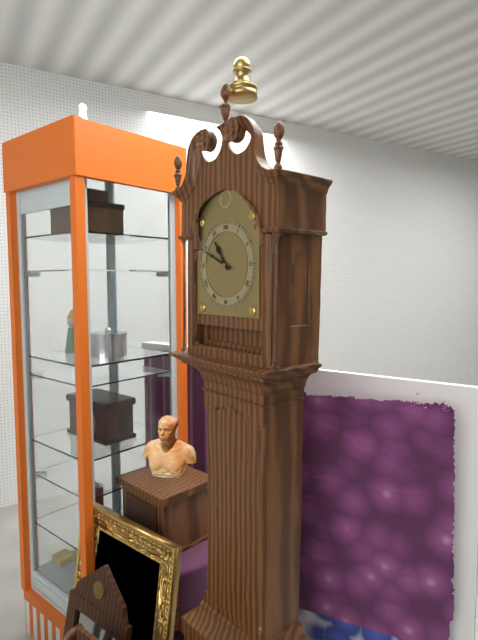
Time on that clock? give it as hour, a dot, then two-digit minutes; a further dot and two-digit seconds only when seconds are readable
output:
10.49
